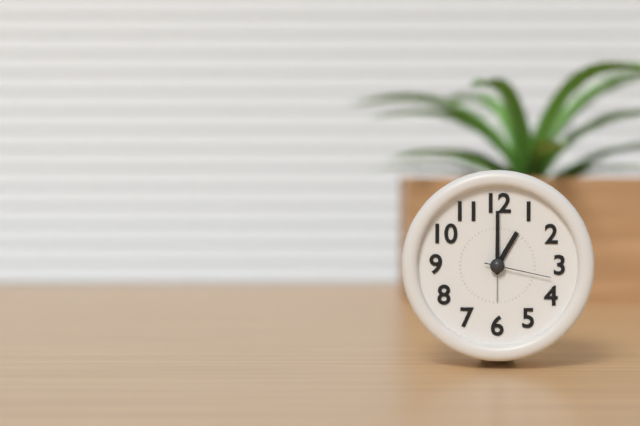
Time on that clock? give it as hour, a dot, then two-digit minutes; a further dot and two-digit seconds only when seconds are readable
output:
1.00.17
